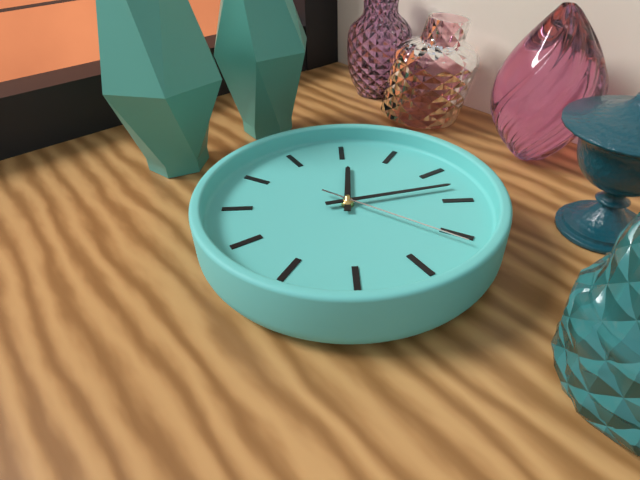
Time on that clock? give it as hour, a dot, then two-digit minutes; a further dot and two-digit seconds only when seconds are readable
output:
11.08.16
